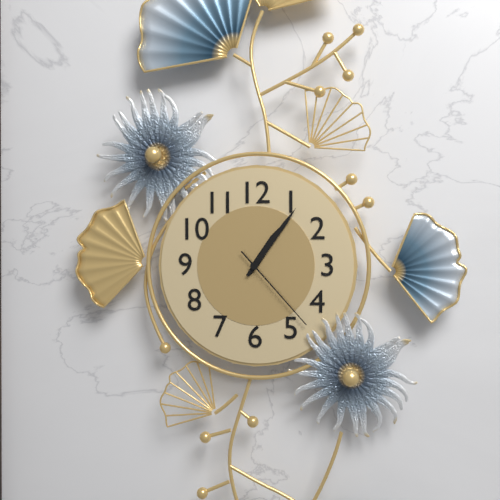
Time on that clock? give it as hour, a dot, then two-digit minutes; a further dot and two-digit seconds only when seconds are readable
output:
1.06.23
